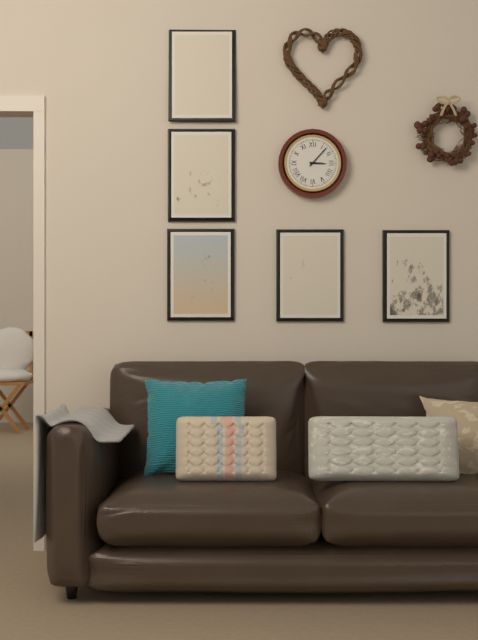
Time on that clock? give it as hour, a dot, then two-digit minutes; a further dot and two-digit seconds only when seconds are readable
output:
3.07
